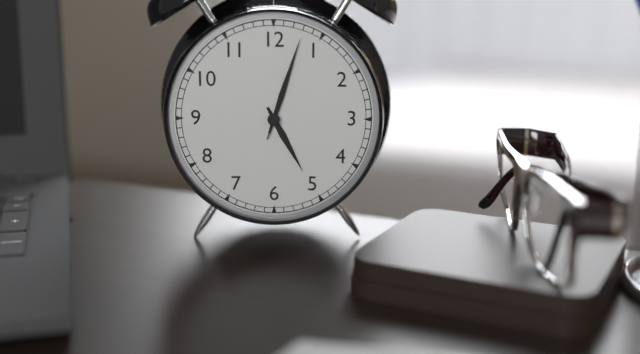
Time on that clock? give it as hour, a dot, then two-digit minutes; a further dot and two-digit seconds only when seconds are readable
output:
5.03.03
